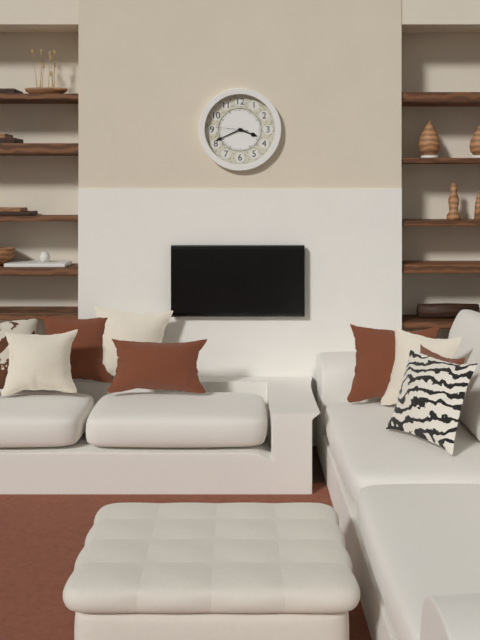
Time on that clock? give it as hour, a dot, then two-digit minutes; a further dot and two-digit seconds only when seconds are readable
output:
3.41
